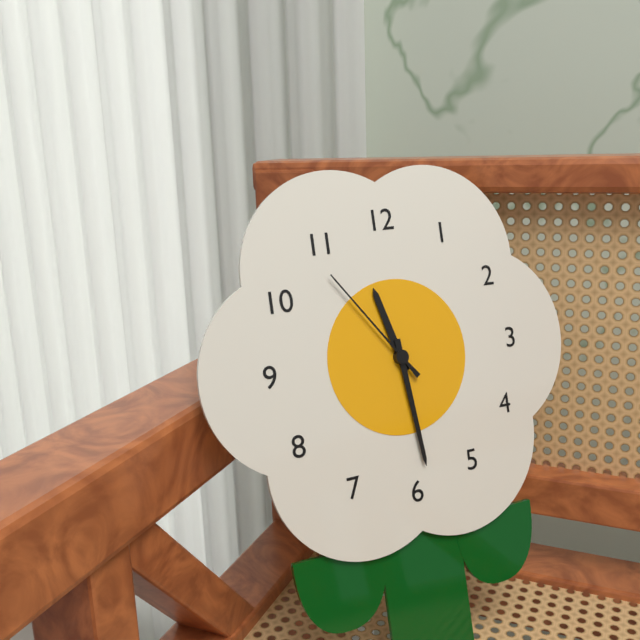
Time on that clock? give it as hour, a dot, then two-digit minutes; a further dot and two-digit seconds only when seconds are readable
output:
11.29.54
